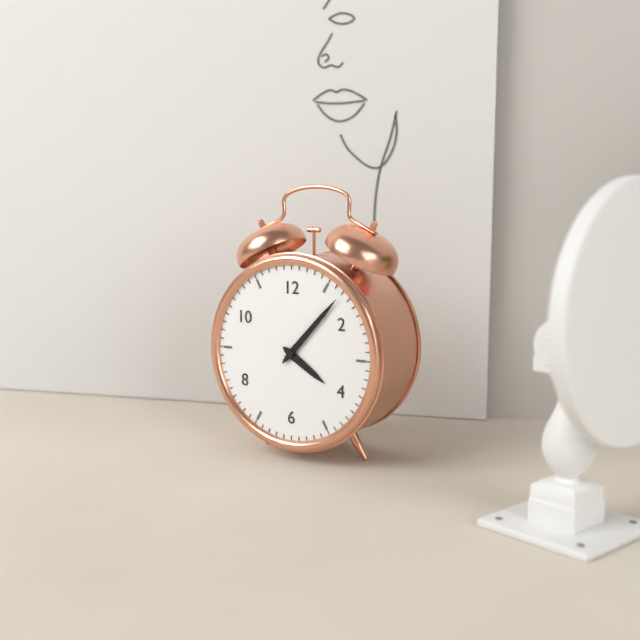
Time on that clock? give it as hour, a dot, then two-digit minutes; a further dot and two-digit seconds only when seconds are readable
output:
4.07
